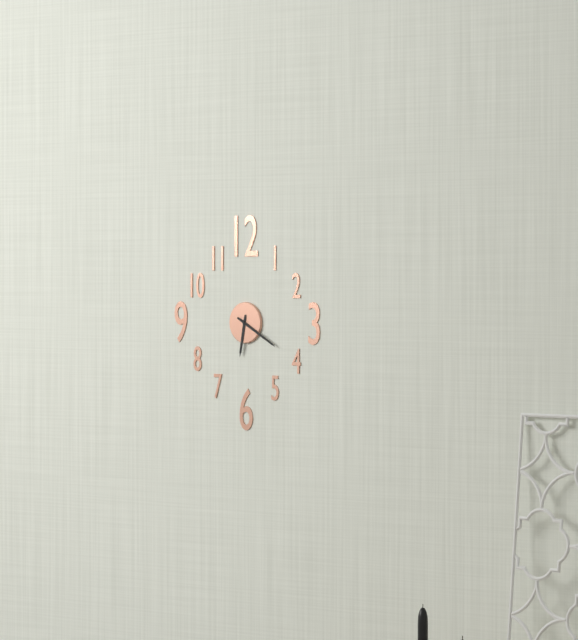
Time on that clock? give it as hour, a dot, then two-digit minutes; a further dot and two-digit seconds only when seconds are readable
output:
6.20
